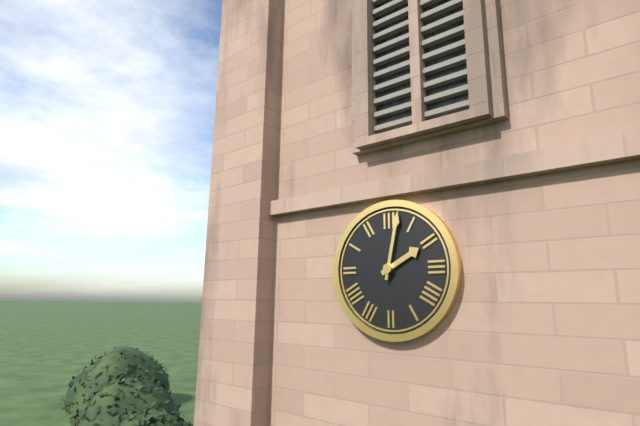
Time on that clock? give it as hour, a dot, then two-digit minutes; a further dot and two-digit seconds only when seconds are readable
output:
2.02
